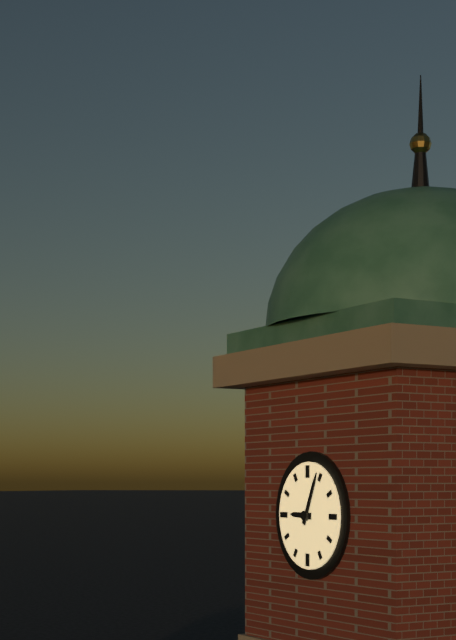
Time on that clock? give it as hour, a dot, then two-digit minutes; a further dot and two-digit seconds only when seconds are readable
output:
9.04
